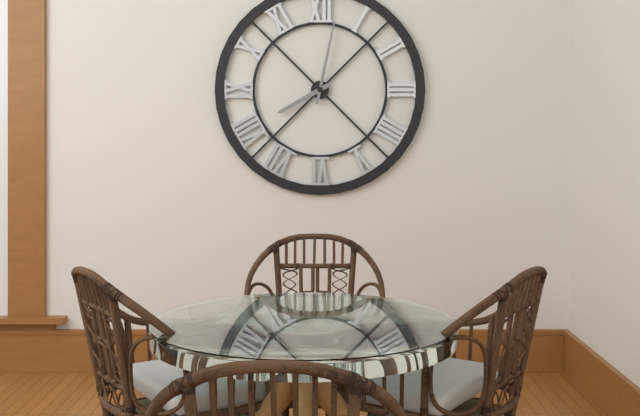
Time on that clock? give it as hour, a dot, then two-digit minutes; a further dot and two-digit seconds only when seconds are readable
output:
8.02
